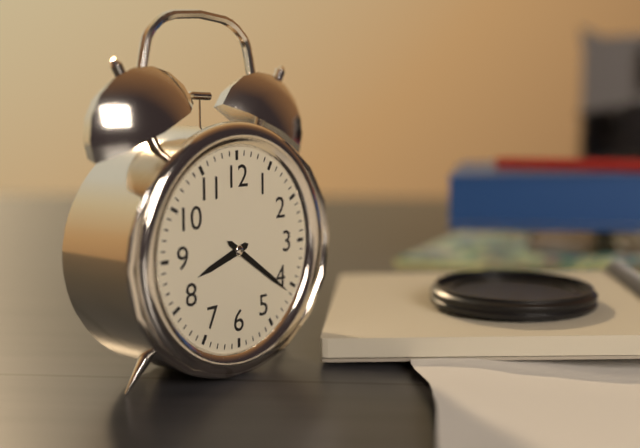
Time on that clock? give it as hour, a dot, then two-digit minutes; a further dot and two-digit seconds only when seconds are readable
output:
8.21
